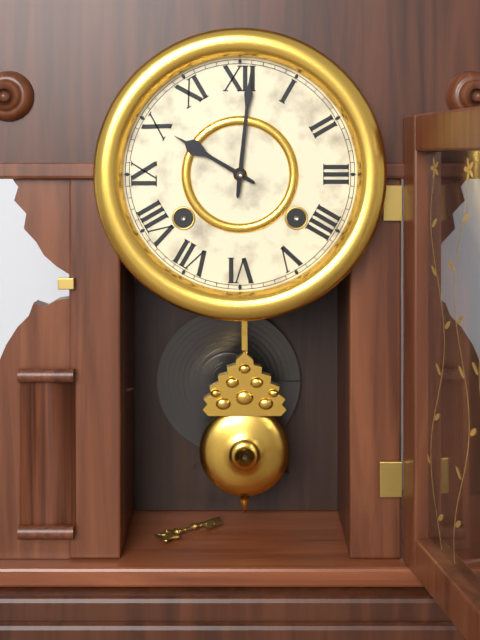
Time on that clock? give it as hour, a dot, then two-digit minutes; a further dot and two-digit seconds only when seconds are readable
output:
10.01
